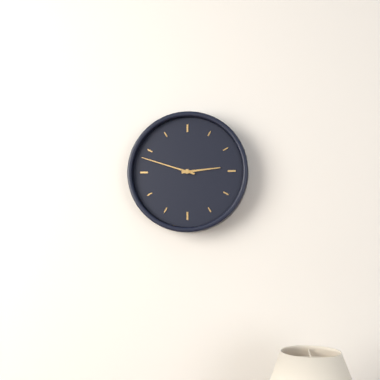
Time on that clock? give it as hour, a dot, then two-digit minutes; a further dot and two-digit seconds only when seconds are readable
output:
2.48
